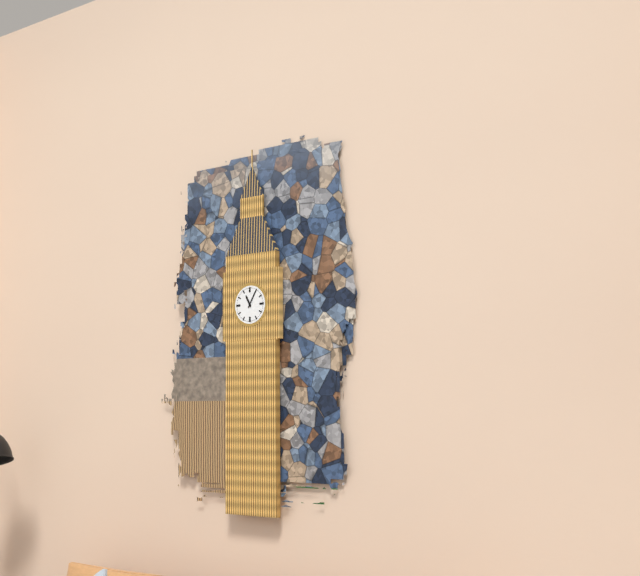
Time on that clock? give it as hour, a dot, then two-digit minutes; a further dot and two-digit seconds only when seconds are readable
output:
11.05
